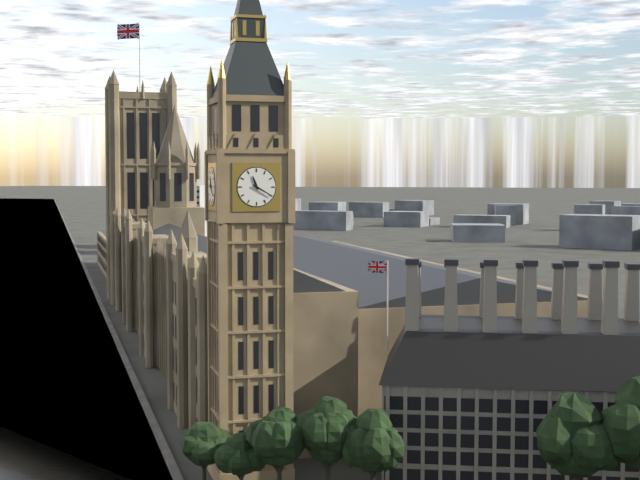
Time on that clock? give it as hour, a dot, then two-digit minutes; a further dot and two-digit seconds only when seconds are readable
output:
11.20
